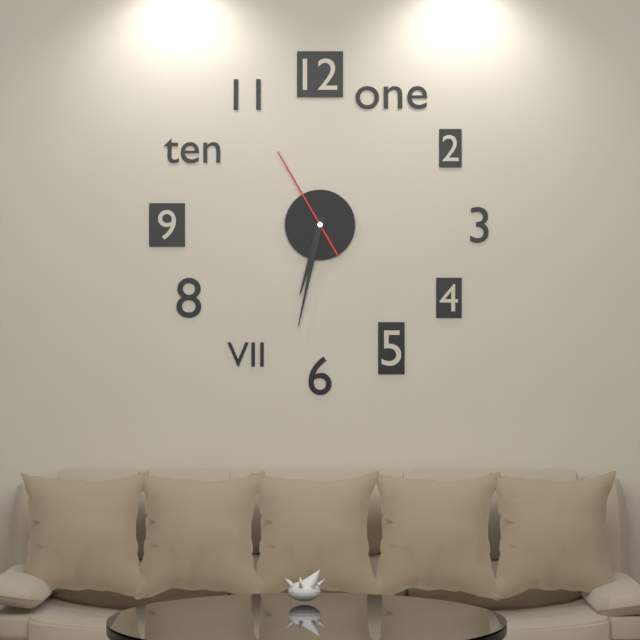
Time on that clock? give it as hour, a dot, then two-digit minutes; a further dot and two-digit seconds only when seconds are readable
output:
6.32.55
